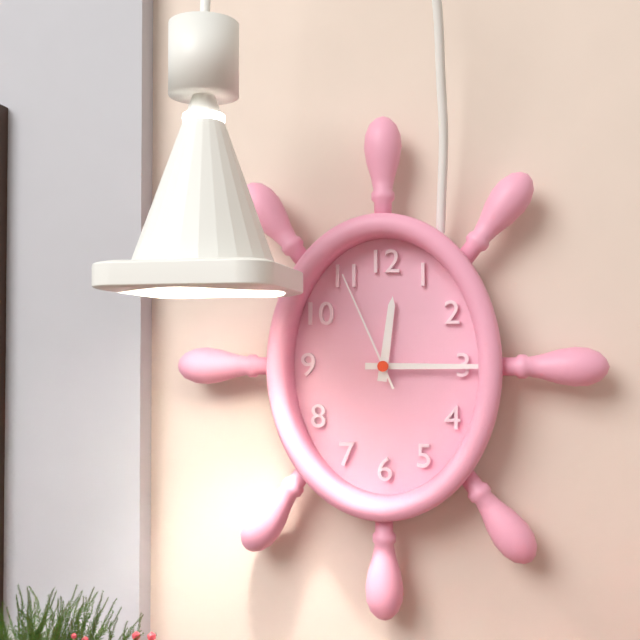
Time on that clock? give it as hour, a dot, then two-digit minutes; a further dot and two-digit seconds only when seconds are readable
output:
12.15.56
